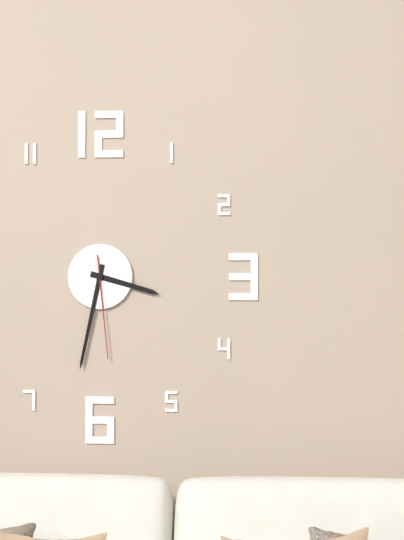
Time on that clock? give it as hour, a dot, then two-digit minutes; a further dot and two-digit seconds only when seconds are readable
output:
3.32.29
